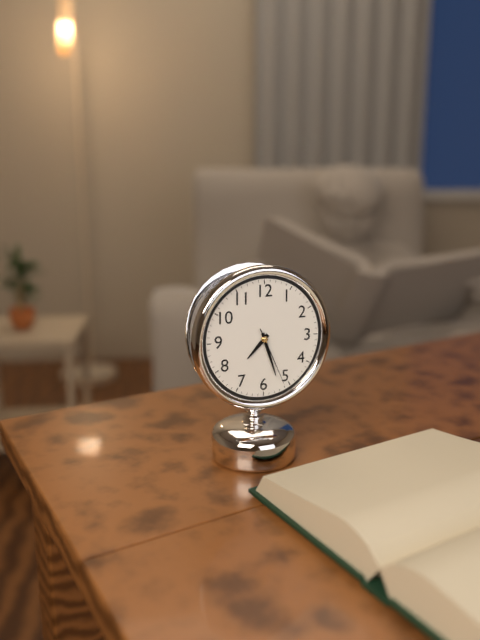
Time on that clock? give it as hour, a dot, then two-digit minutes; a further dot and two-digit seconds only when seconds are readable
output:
7.27.26
